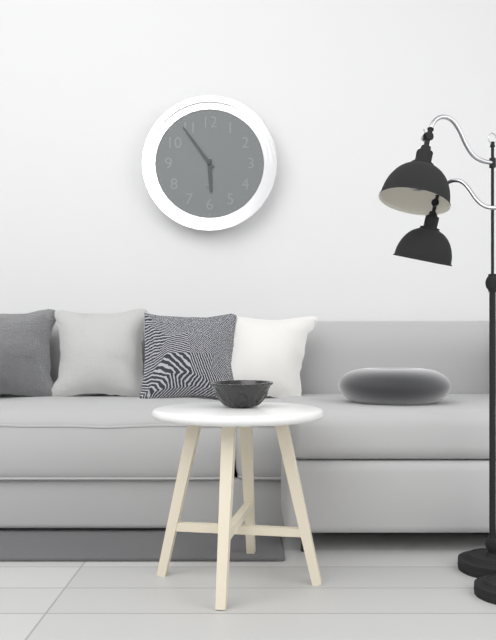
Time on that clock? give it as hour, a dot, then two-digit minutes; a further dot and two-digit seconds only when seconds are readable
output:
5.54
